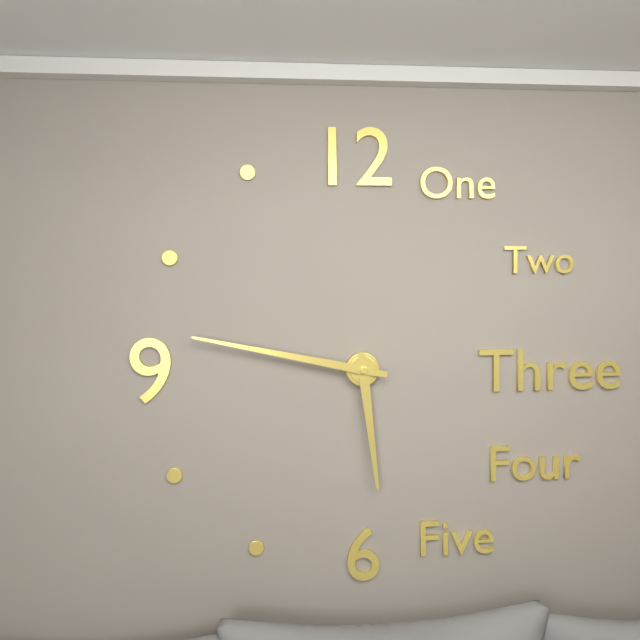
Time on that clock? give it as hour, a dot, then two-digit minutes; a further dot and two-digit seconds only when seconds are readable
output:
5.47
